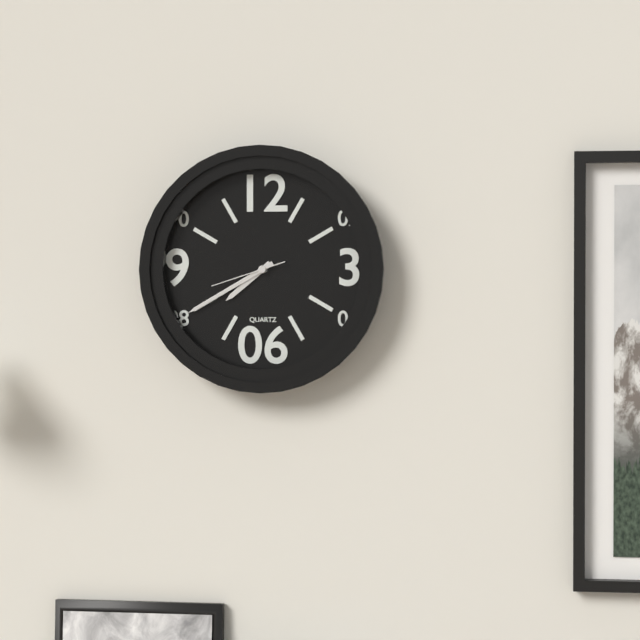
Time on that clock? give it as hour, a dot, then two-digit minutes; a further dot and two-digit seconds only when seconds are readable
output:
7.40.42
